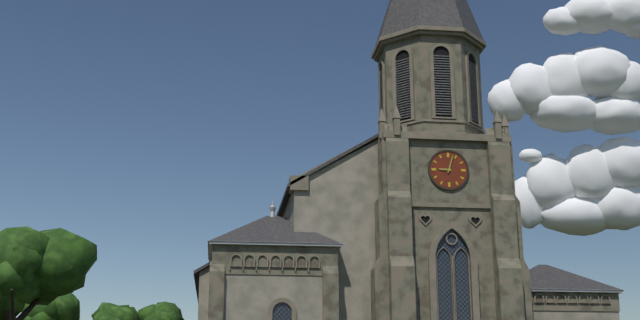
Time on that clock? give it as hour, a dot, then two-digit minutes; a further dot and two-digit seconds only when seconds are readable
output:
9.03
